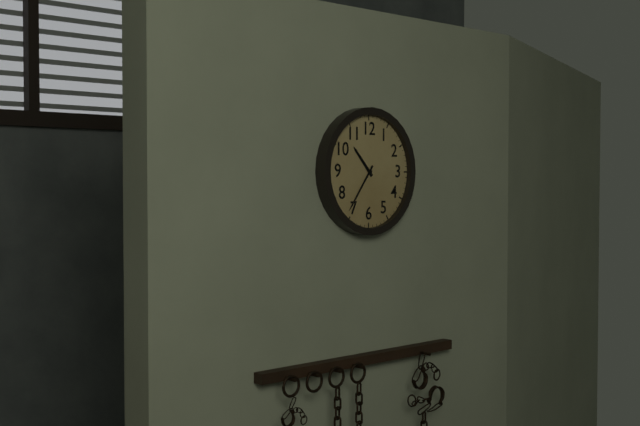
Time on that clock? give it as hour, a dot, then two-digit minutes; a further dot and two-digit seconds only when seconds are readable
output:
10.36
